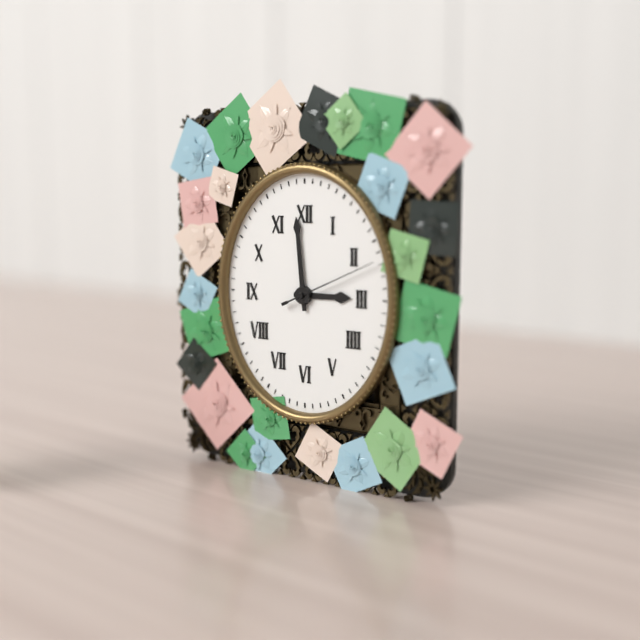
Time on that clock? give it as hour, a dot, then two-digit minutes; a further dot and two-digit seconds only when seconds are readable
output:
2.59.11
